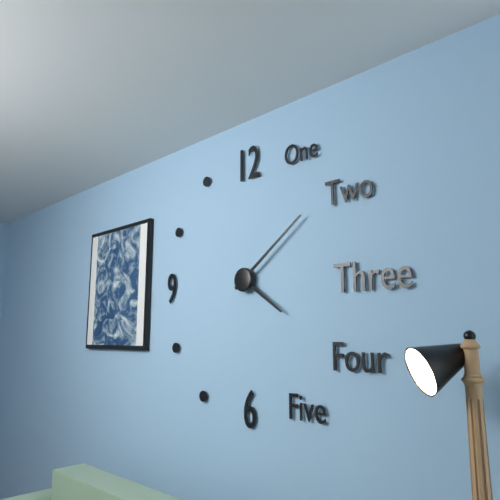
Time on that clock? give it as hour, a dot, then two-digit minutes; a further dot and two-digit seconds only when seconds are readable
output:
4.09
